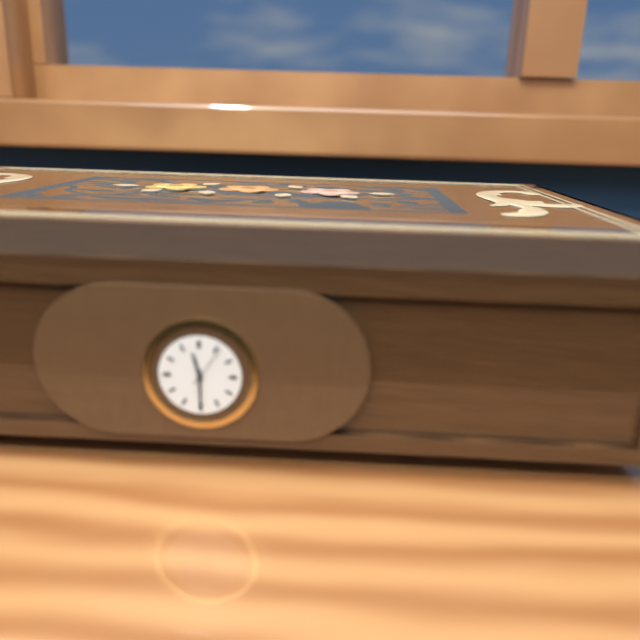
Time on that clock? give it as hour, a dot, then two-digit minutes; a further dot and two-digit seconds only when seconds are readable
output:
11.30.06
